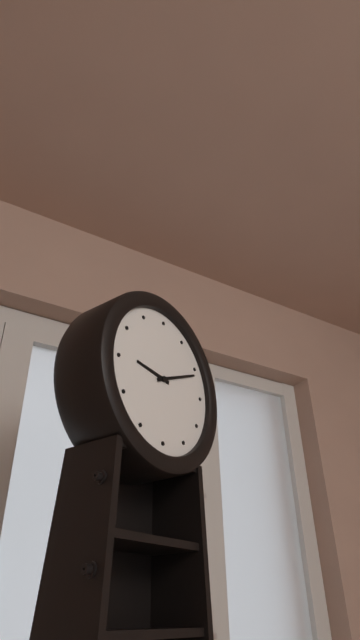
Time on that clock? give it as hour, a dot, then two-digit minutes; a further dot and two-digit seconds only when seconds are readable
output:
9.11
